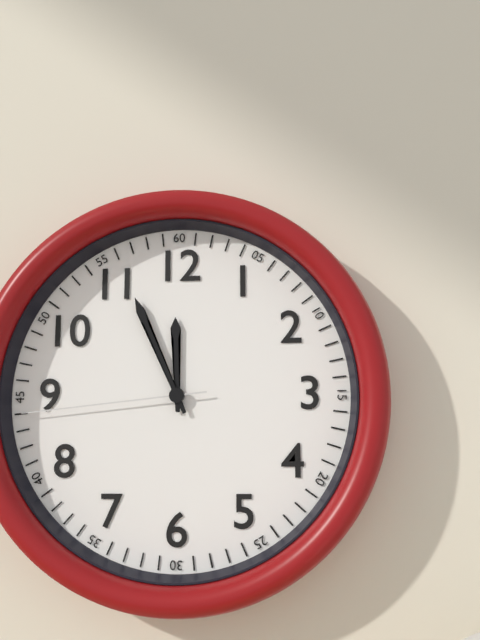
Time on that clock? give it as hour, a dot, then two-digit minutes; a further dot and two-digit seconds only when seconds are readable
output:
11.56.44
